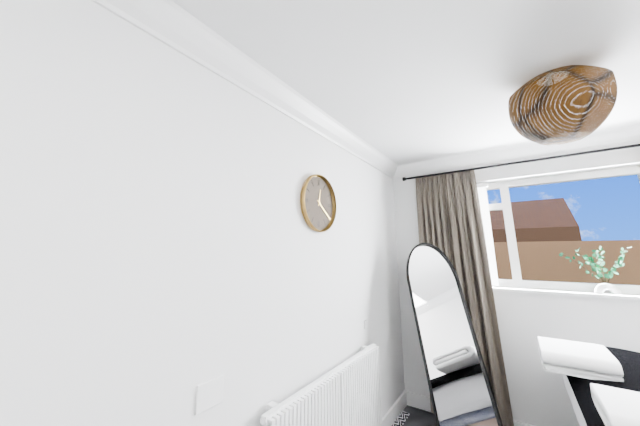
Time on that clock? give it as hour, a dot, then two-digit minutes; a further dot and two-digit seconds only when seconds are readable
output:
12.21
